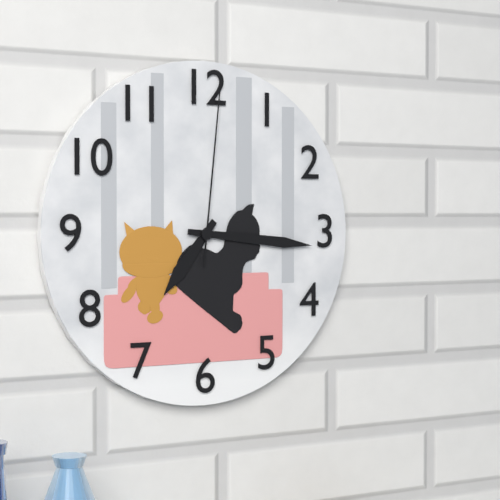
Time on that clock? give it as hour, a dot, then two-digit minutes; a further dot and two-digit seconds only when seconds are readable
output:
7.16.01
